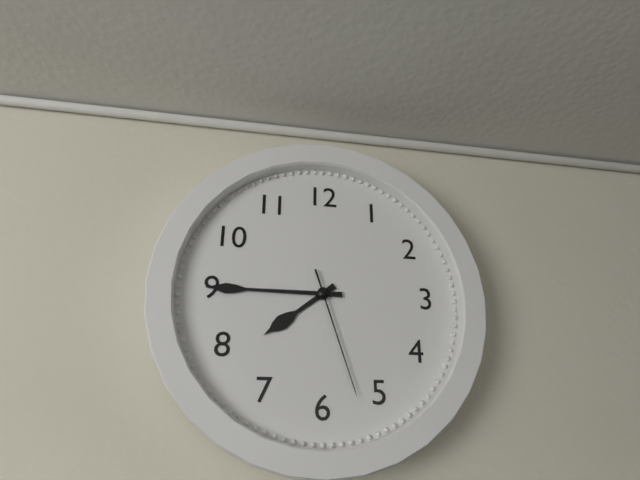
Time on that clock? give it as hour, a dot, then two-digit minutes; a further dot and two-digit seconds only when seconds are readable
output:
7.45.27
